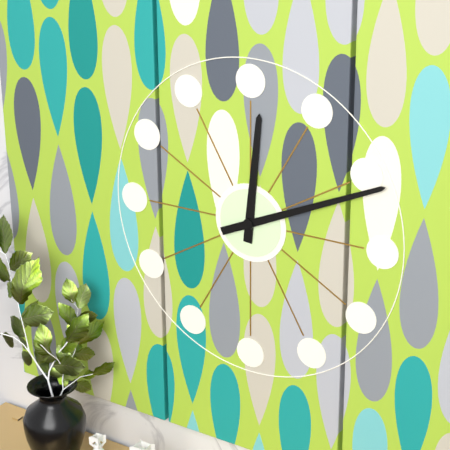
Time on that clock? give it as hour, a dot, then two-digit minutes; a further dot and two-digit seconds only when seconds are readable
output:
12.11
